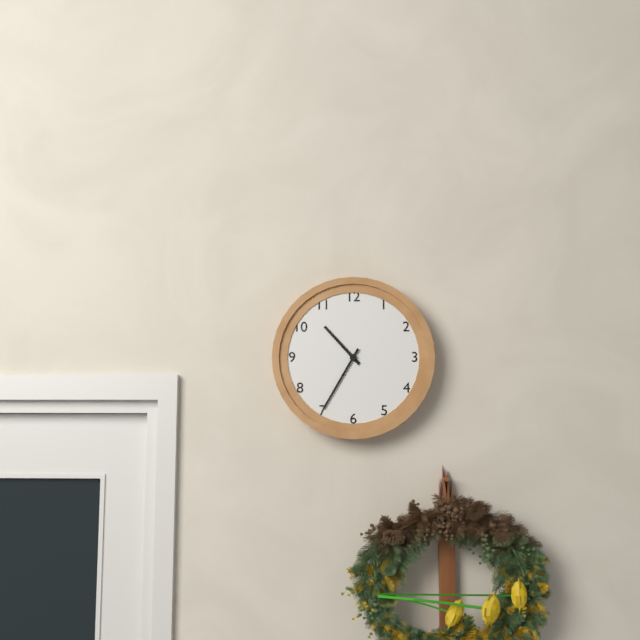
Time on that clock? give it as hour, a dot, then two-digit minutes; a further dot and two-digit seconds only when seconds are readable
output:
10.35
